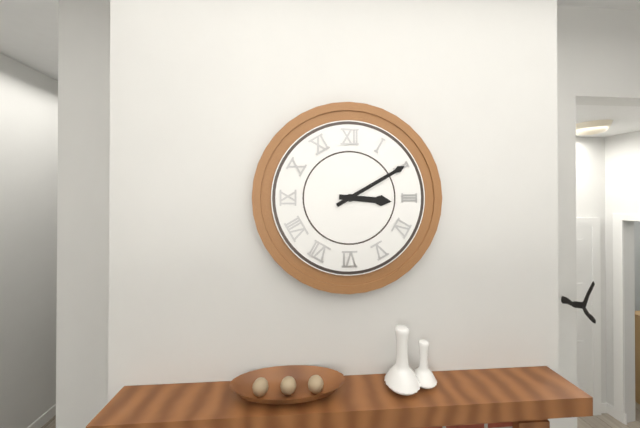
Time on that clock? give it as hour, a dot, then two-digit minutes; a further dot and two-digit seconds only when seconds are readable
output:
3.10
